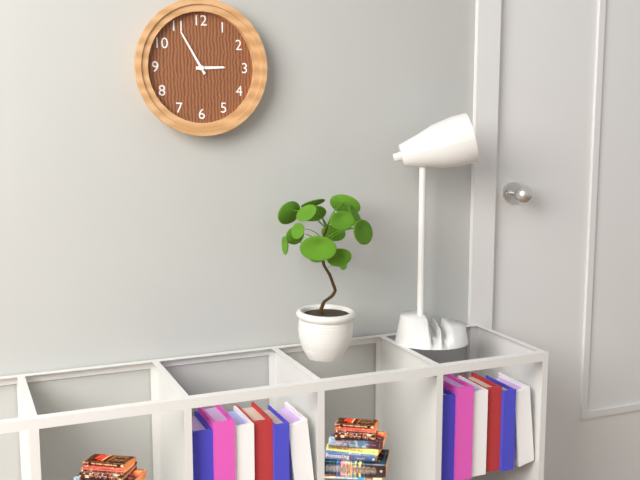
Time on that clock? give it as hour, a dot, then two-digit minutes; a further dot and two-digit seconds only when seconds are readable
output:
2.55
